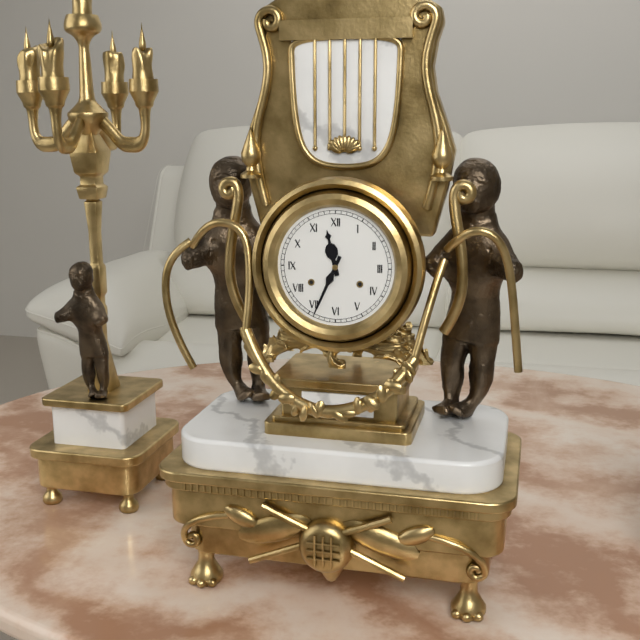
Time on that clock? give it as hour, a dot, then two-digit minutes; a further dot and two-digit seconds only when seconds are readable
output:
11.34
